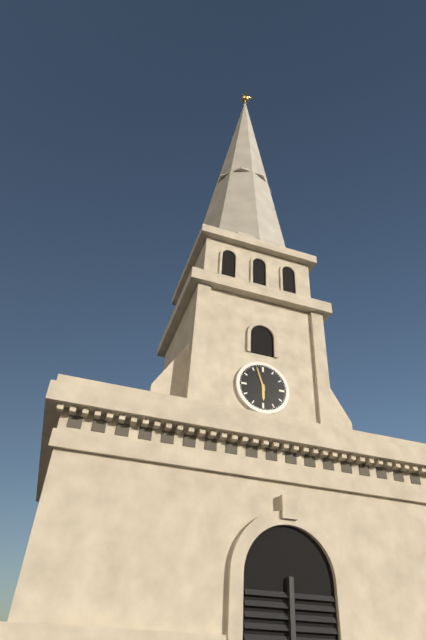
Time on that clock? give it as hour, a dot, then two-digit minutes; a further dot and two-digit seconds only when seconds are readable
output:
5.57
